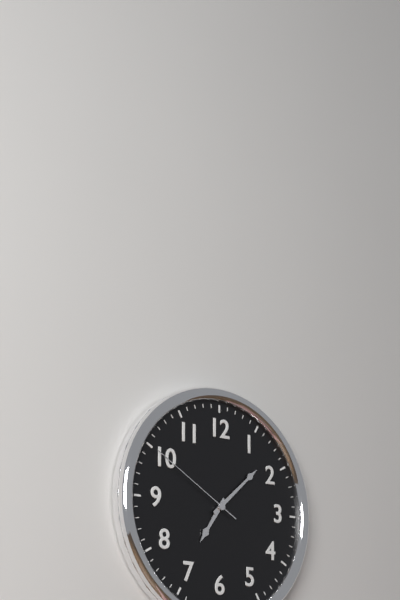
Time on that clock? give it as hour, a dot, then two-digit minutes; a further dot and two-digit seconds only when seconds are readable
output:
7.08.50
